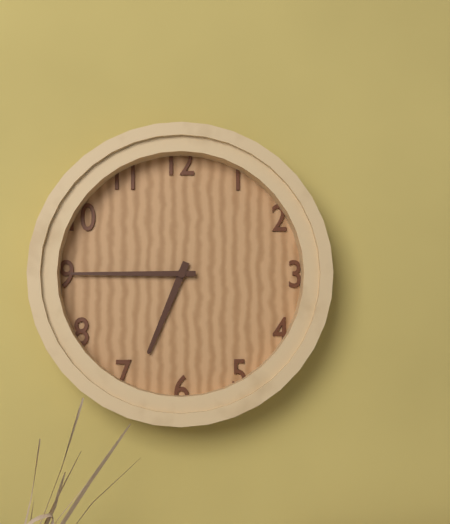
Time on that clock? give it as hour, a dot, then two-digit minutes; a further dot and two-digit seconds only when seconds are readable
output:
6.45
